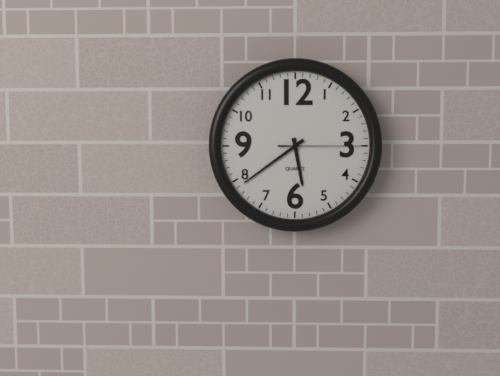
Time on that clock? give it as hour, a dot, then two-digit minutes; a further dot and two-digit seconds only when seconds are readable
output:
5.39.15
